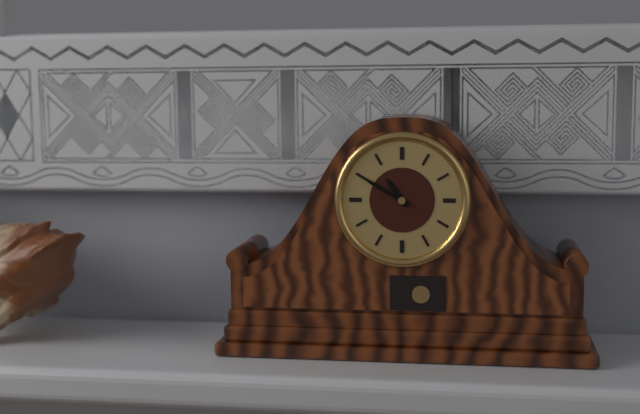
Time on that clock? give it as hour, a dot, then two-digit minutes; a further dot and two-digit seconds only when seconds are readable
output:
10.50
